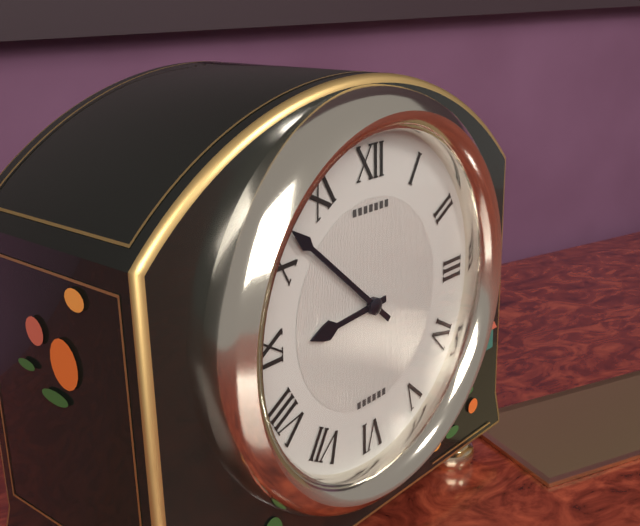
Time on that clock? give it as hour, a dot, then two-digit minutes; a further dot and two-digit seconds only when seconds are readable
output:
8.52
